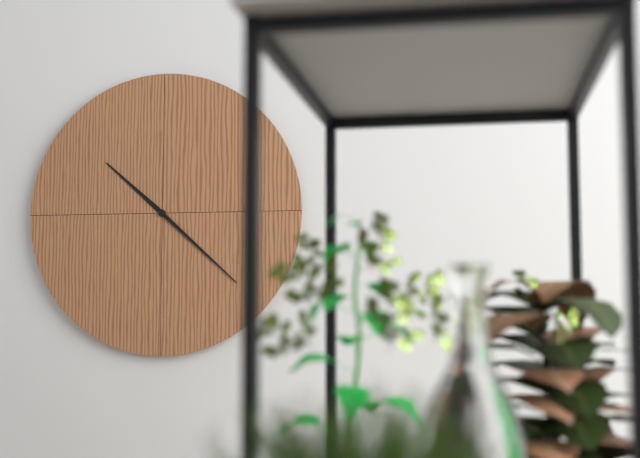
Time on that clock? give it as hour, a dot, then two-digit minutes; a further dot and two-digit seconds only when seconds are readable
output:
10.22
